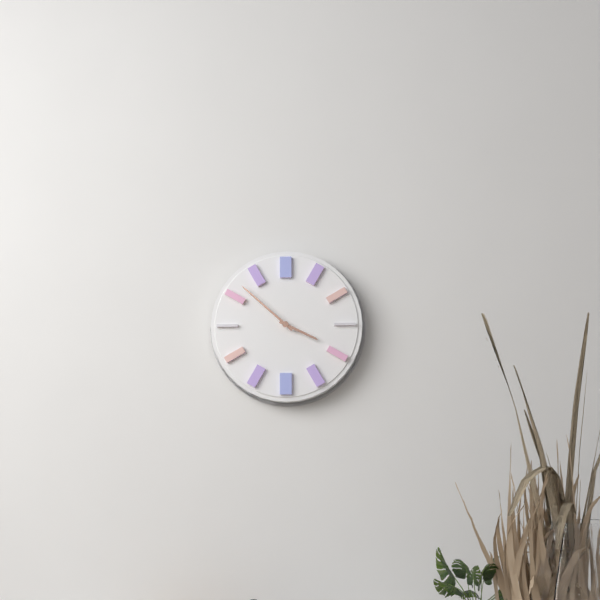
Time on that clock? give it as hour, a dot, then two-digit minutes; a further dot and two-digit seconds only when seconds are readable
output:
3.52
